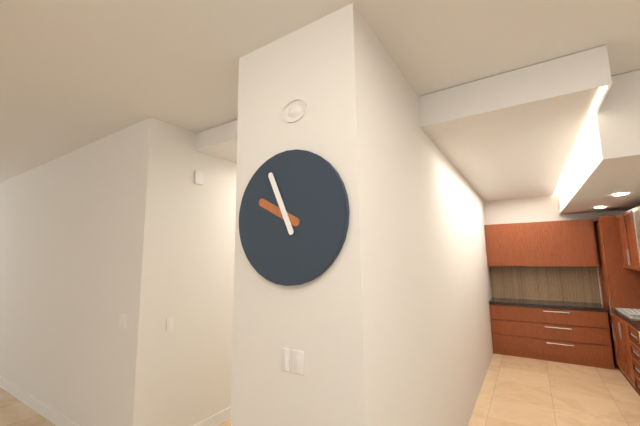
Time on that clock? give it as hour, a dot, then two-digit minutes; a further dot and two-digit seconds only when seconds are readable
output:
9.56
